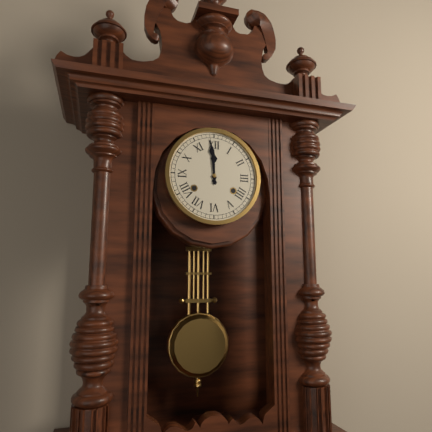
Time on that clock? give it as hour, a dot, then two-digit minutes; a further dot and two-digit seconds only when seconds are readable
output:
11.59
